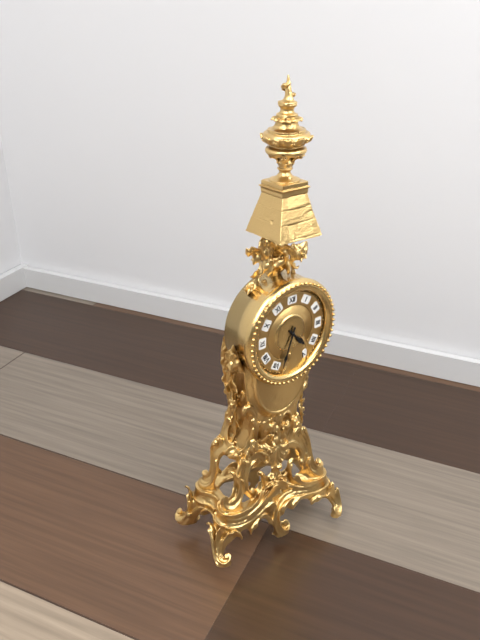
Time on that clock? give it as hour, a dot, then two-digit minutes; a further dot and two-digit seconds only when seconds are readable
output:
4.33
